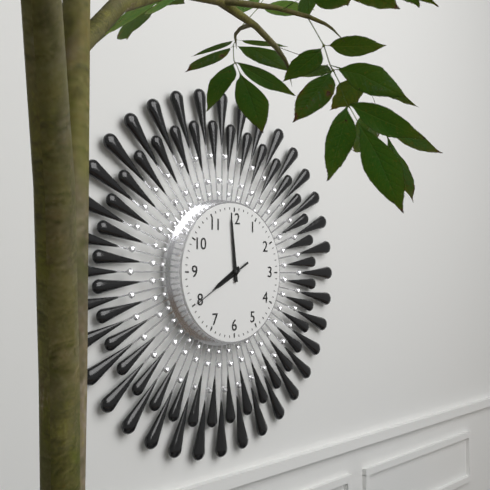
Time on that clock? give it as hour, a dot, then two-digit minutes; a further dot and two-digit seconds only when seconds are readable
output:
7.59.40
